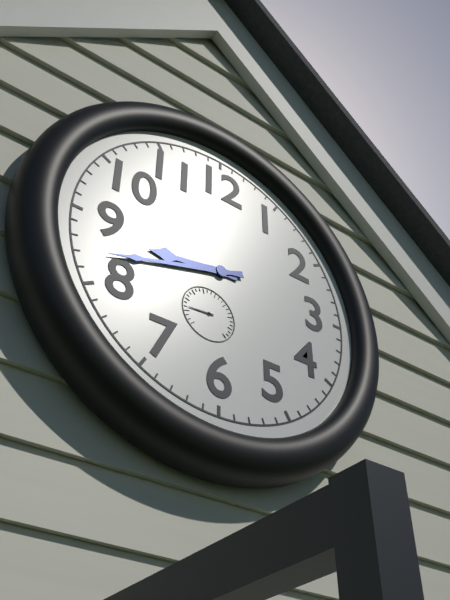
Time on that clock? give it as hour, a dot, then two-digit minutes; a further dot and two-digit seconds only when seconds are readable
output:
8.42
